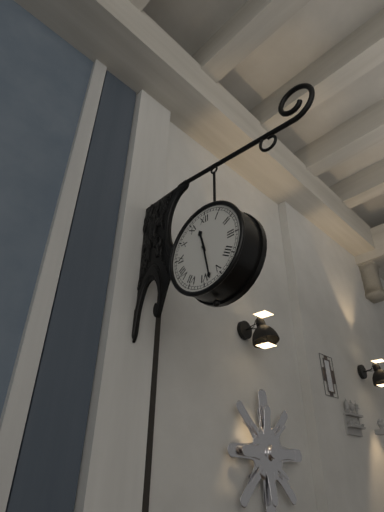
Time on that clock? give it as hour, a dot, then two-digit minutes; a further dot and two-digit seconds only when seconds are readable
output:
11.28
